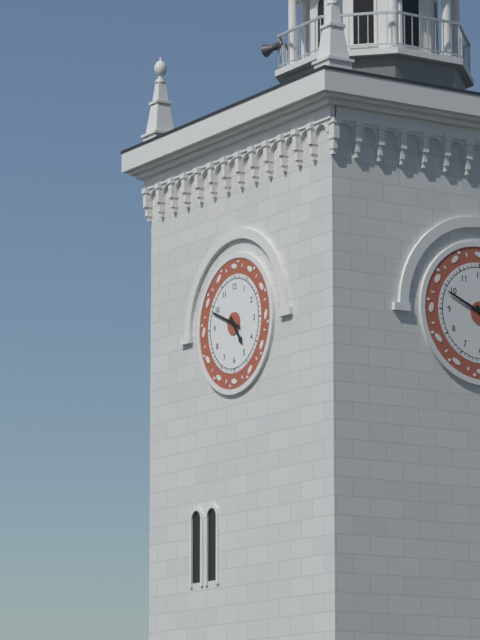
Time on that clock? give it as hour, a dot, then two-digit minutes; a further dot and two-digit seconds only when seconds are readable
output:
4.49
